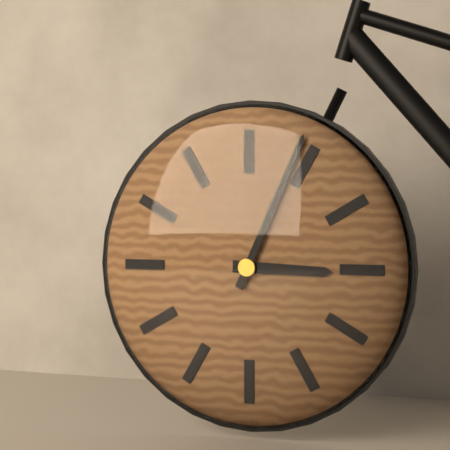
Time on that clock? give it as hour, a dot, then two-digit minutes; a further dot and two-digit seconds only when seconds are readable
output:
3.04
